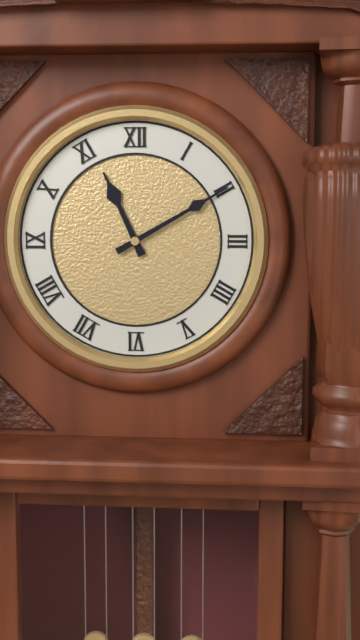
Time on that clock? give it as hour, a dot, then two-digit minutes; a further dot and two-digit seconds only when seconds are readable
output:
11.10
